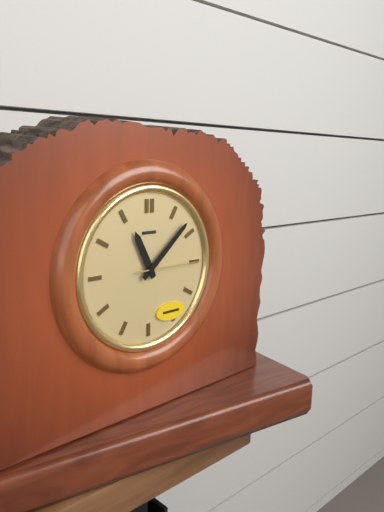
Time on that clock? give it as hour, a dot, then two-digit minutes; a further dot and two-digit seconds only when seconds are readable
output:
11.08.15
